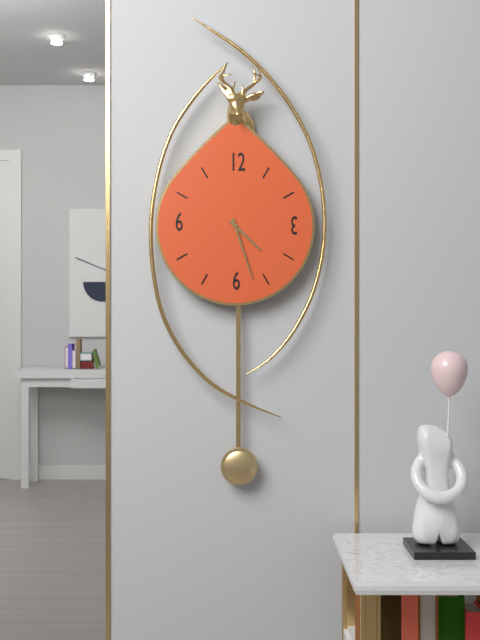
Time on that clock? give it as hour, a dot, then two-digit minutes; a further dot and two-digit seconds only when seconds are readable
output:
4.27
